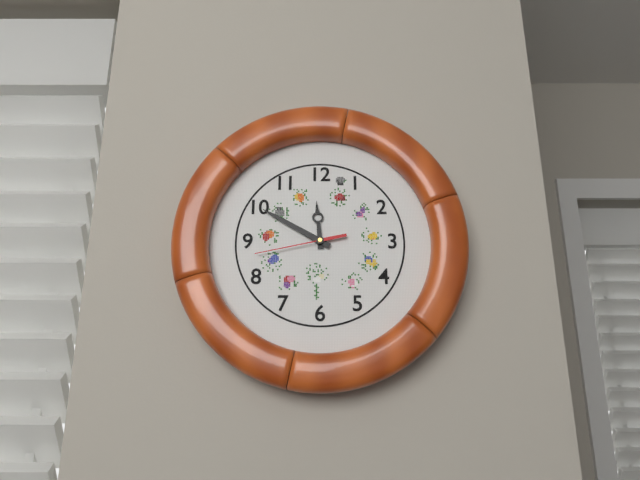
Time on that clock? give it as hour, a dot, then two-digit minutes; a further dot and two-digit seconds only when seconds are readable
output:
11.50.43
